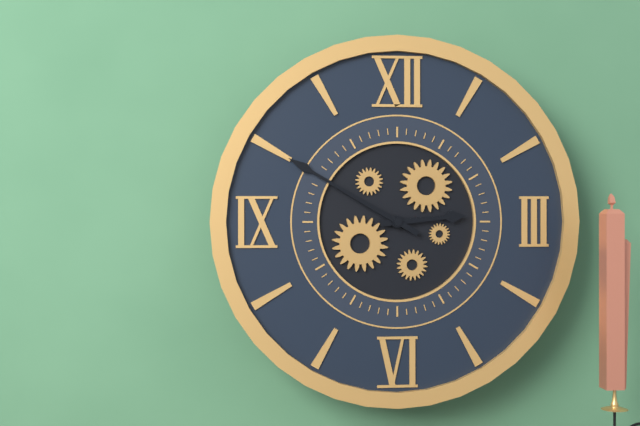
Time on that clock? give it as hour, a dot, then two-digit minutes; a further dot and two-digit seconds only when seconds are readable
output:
2.50
